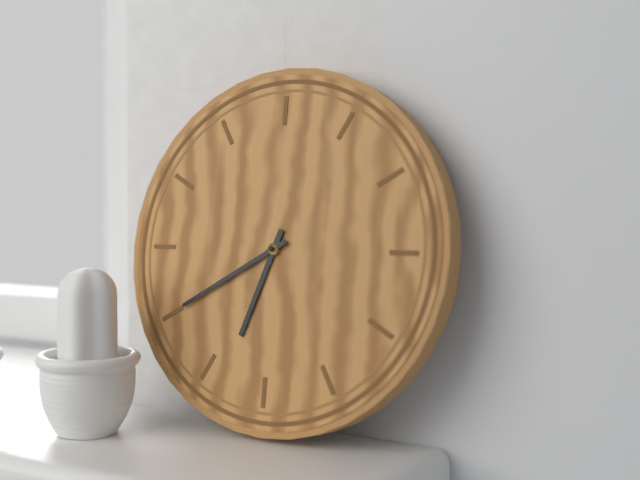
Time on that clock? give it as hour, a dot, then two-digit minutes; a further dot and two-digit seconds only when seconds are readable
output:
6.40
